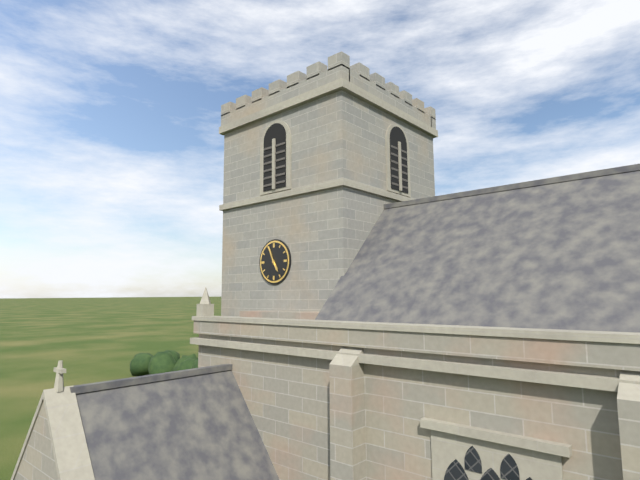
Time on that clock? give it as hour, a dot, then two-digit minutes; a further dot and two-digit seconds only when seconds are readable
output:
4.56
